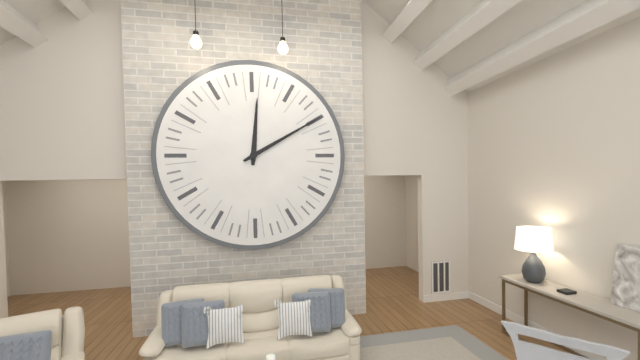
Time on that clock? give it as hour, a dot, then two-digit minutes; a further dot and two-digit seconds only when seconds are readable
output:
12.10
